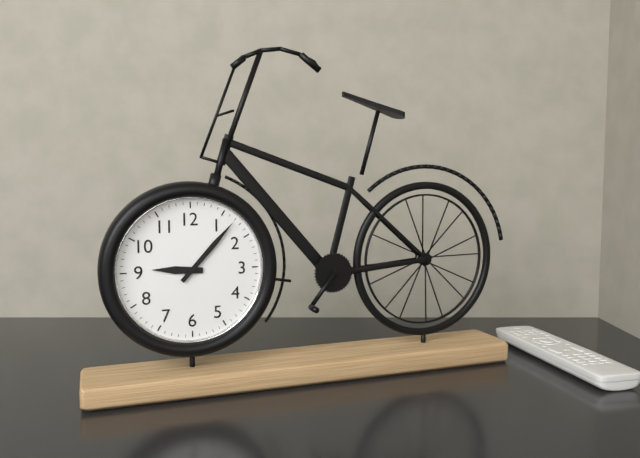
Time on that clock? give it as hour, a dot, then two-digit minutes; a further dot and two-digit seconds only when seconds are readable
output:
9.07
